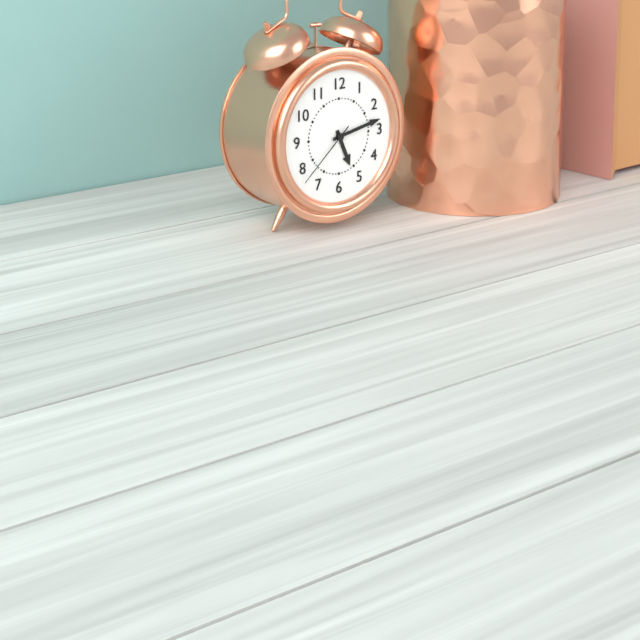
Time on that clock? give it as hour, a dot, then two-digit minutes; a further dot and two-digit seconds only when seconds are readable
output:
5.13.38
